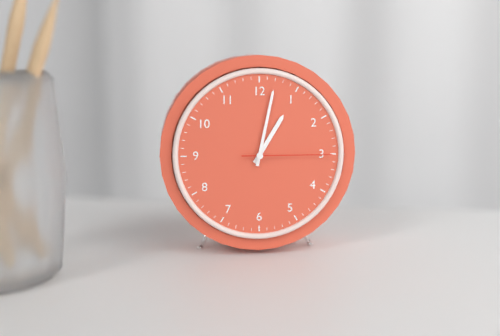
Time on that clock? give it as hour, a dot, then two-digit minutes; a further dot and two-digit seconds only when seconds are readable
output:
1.02.15
